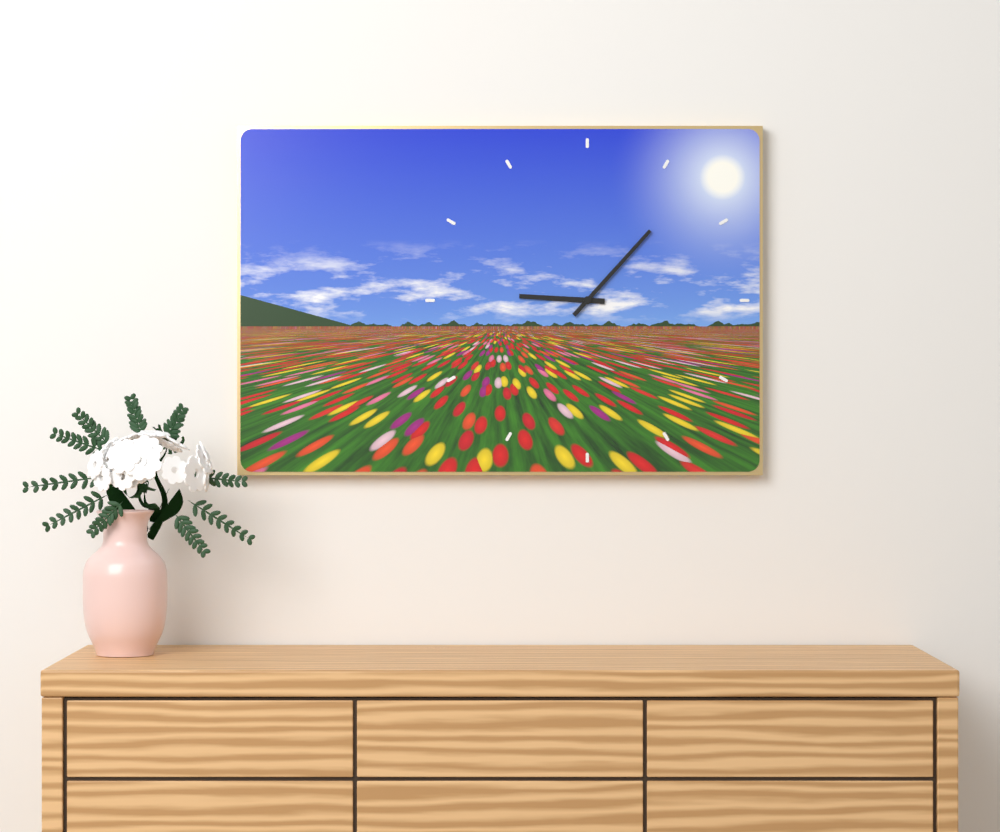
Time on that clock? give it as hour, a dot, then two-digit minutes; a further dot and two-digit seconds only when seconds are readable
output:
9.07
